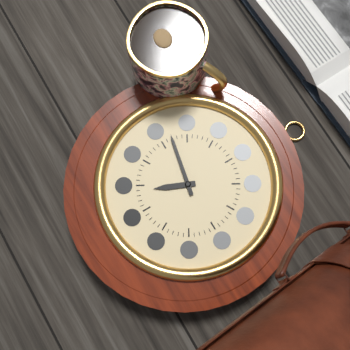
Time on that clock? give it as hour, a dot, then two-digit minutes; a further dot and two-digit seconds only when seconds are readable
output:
6.47
